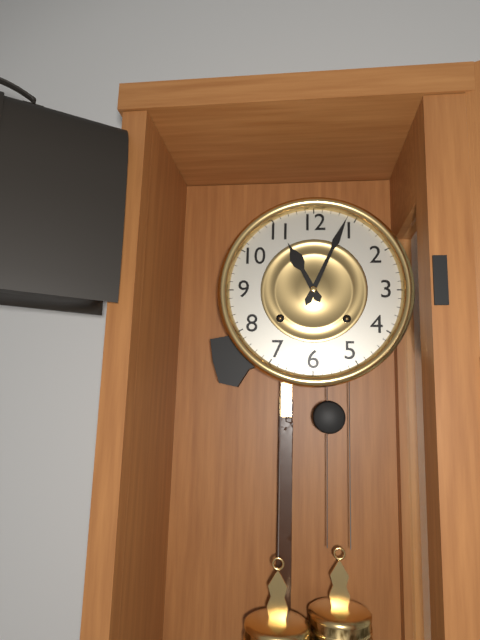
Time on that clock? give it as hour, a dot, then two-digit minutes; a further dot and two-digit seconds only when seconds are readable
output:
11.04
